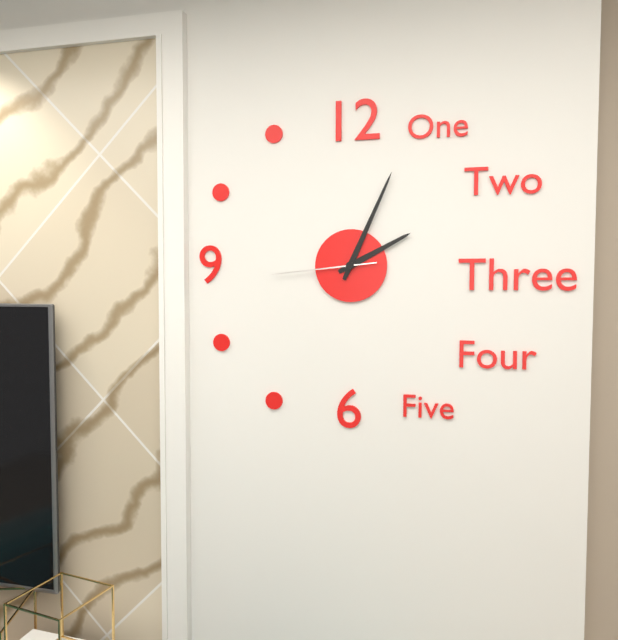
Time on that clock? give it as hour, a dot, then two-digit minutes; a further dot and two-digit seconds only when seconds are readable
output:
2.04.44
